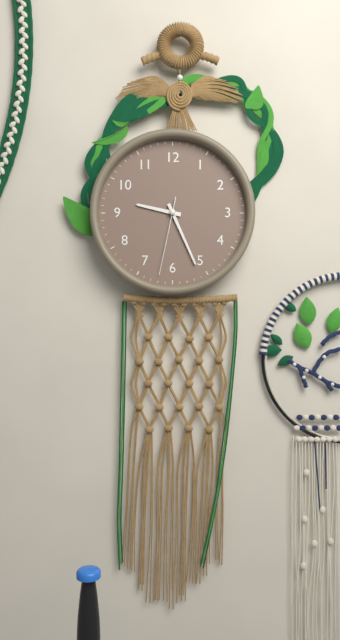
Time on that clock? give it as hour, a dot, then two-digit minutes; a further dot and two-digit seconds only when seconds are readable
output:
9.26.32
